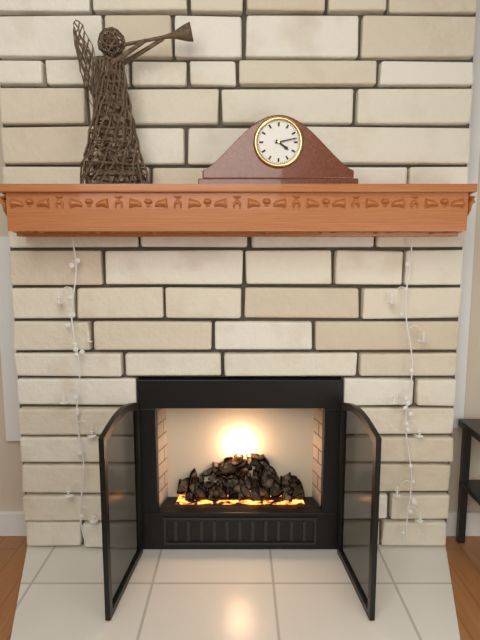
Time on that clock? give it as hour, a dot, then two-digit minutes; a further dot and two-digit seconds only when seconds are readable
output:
4.13
